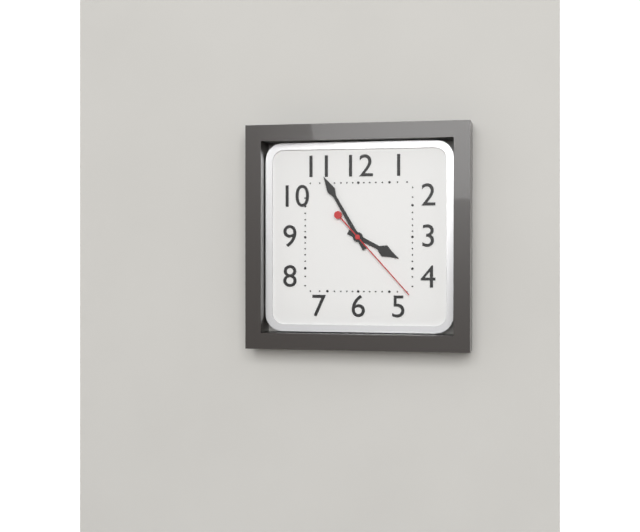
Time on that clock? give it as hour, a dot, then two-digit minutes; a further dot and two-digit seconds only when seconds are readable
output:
3.55.23
